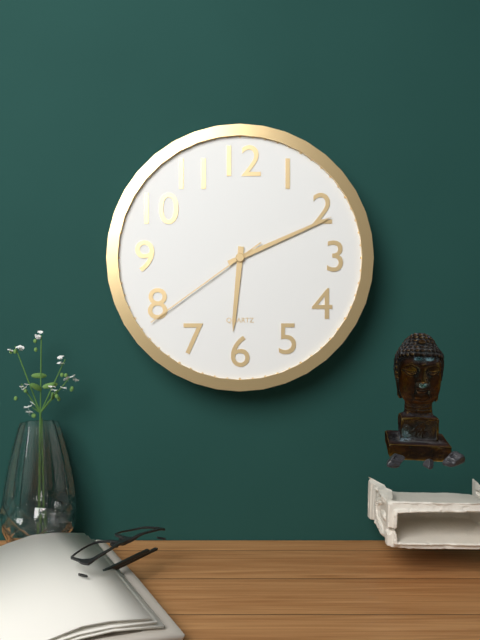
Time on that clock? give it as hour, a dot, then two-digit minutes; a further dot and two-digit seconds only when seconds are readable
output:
6.11.39
